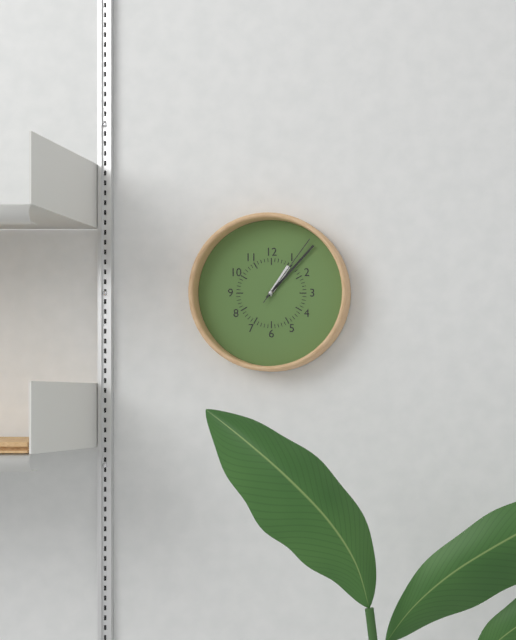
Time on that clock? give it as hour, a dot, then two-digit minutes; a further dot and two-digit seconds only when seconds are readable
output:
1.07.06
